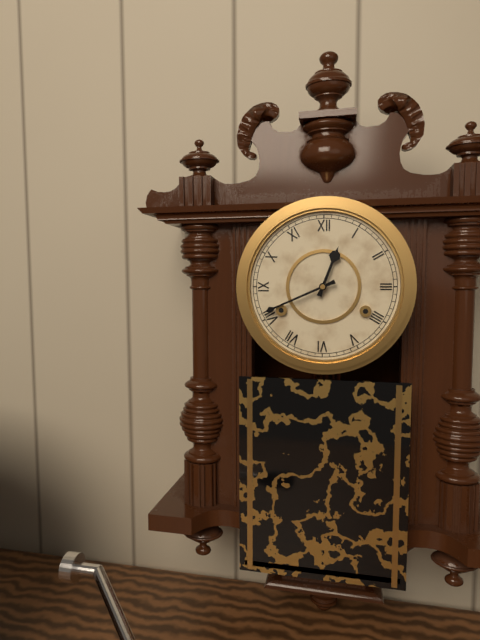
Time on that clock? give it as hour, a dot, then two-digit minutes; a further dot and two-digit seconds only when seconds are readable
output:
12.41
